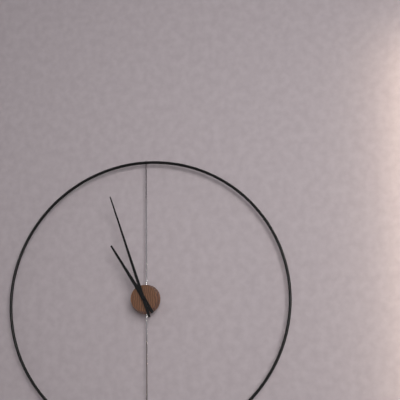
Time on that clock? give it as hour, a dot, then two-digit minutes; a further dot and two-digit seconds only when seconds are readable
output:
10.57
